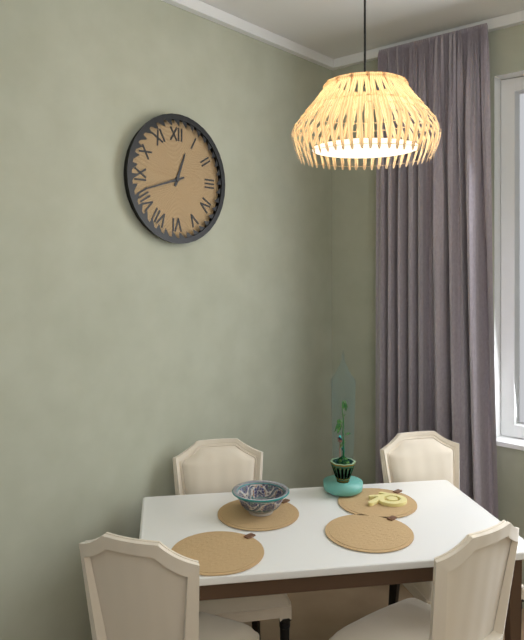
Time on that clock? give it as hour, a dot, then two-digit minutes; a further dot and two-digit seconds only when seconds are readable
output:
12.42
